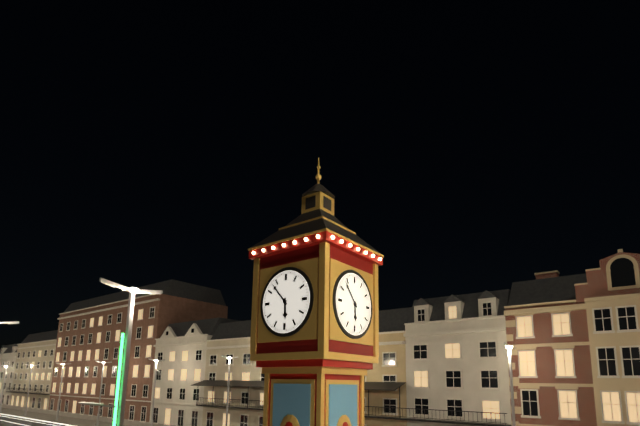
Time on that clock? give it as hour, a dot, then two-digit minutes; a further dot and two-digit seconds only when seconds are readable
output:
5.53
